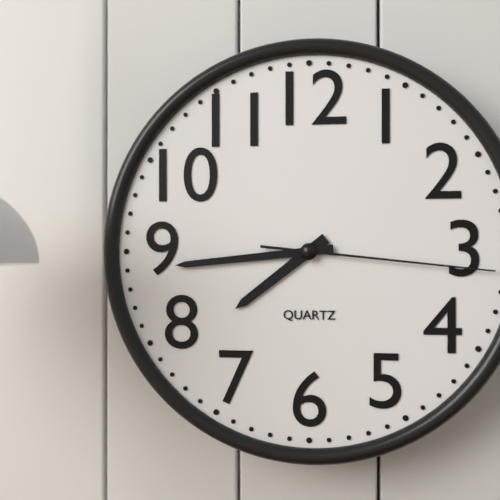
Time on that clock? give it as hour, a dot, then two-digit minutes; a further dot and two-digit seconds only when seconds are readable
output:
7.44.16
